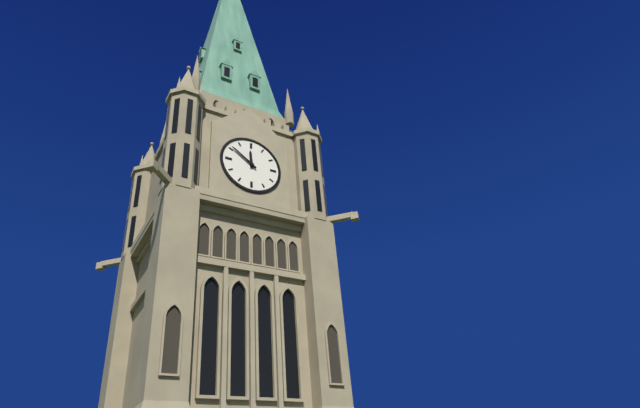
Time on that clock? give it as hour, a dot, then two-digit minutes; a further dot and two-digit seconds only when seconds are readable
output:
11.51
